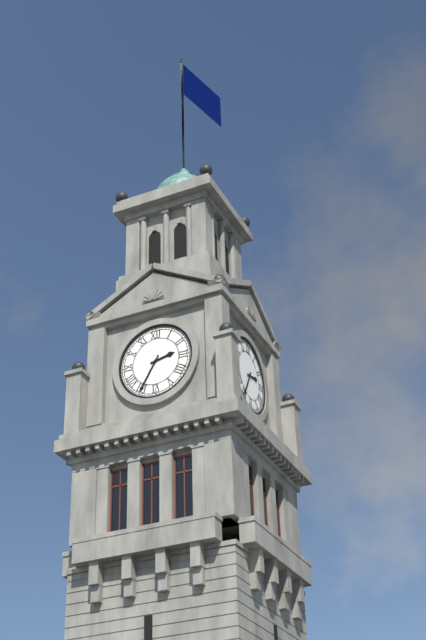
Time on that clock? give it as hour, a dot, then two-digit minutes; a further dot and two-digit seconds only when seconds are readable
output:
2.35
